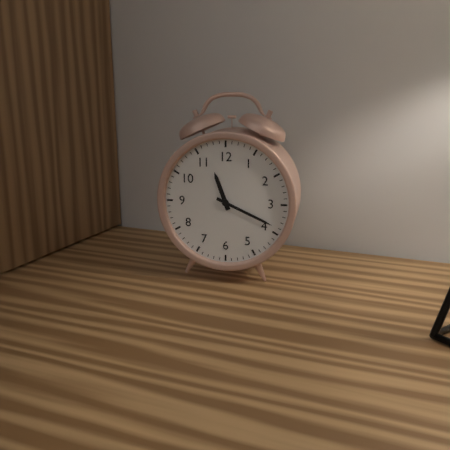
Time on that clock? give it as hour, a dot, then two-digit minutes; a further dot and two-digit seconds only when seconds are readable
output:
11.19
